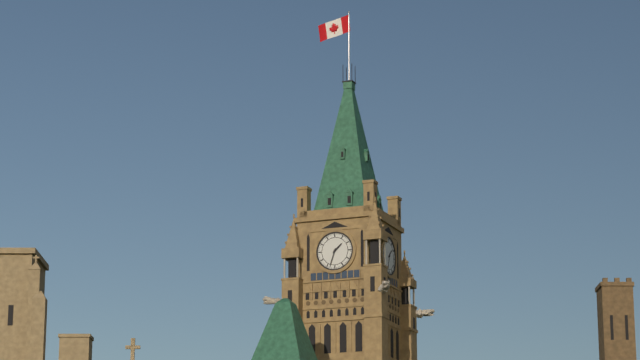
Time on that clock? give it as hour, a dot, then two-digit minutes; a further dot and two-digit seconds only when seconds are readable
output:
1.33
